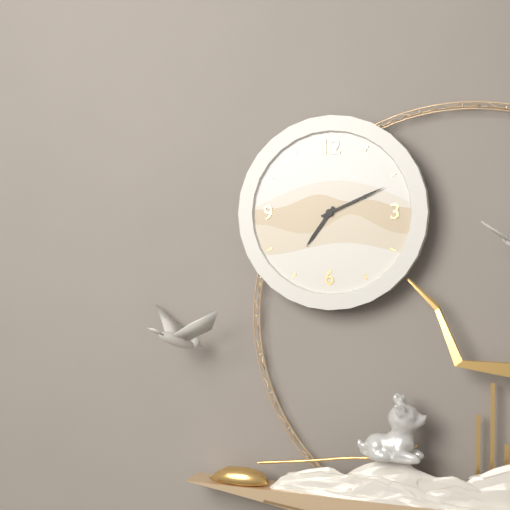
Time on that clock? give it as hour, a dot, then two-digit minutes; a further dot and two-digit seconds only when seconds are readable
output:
7.11
